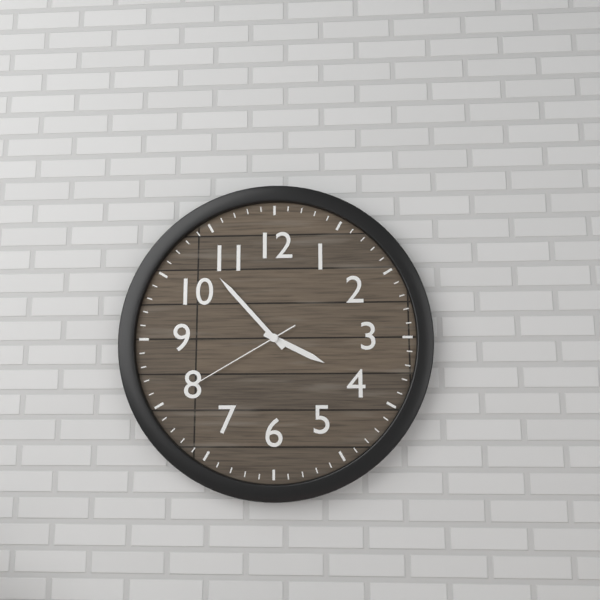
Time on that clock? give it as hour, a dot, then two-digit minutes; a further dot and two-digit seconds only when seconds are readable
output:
3.53.40
